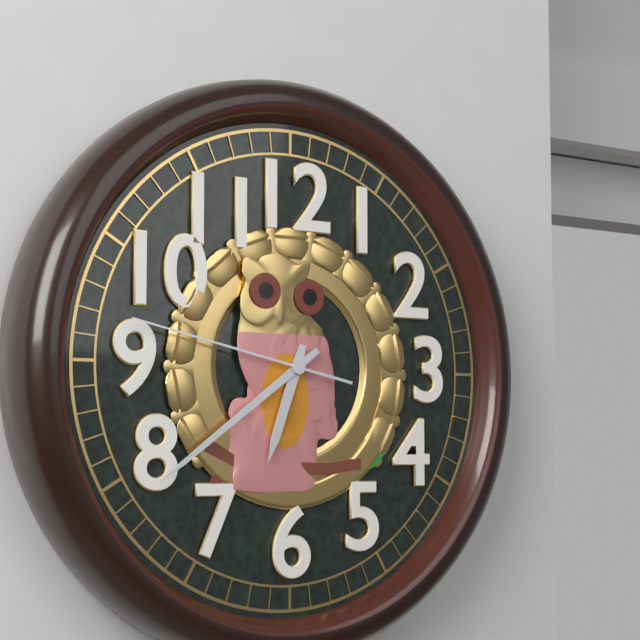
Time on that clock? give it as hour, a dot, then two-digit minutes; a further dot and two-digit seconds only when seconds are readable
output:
6.39.47
